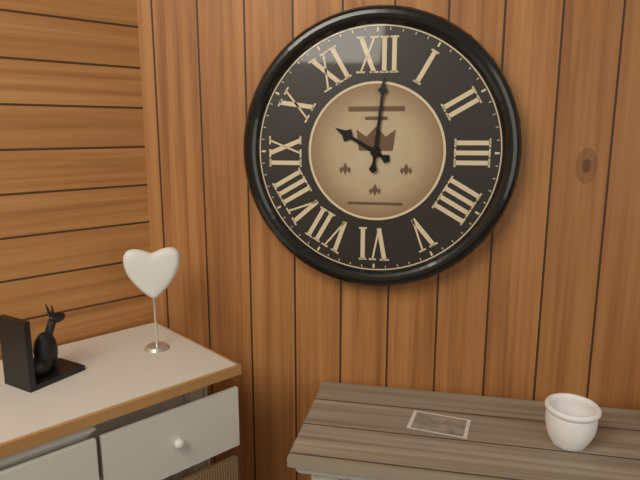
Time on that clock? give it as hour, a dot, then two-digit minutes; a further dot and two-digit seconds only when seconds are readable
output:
10.01
